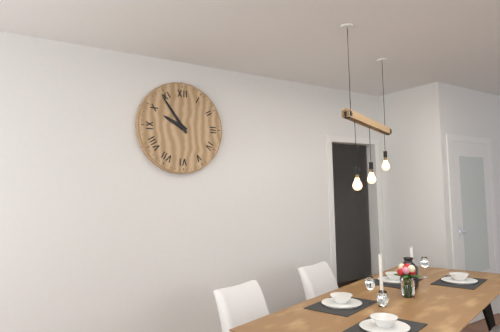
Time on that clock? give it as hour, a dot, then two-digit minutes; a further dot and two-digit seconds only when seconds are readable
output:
9.54
